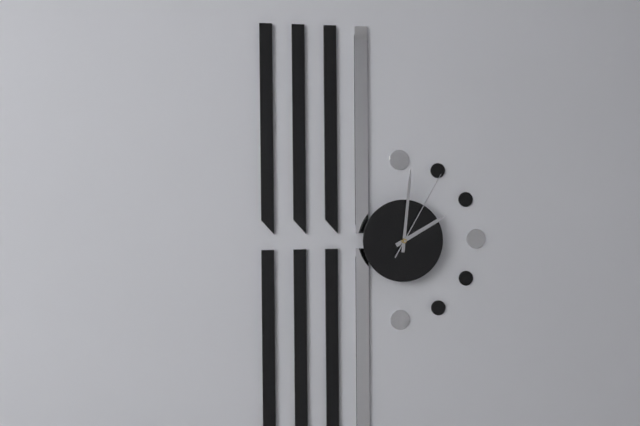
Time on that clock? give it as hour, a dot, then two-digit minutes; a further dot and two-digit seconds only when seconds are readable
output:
2.01.05
